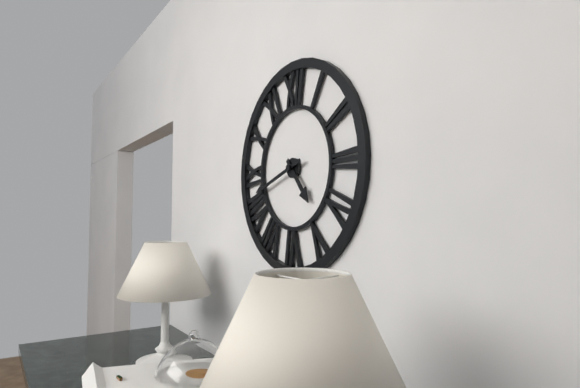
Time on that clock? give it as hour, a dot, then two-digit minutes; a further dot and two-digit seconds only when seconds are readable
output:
4.42
